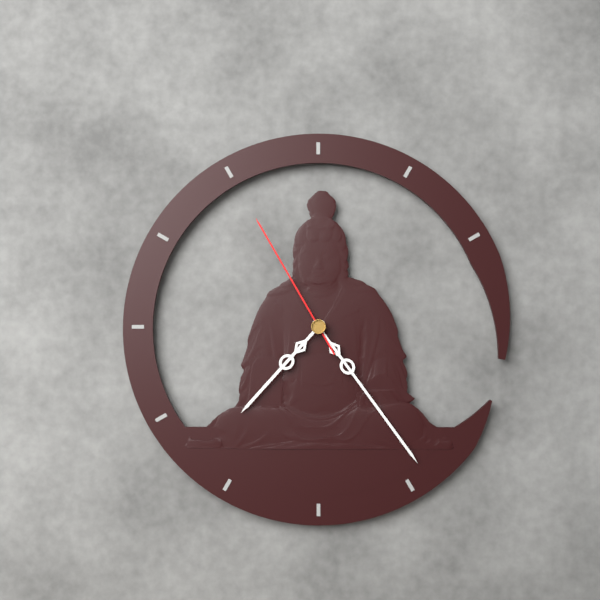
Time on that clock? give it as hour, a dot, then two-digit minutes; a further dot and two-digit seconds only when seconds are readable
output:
7.24.55
